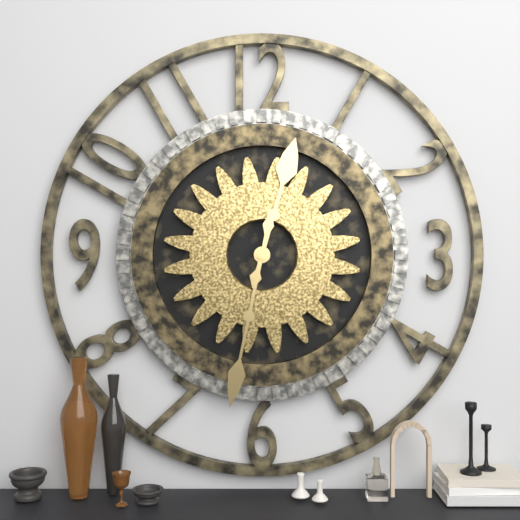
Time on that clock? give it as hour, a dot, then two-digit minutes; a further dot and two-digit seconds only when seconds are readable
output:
12.32
